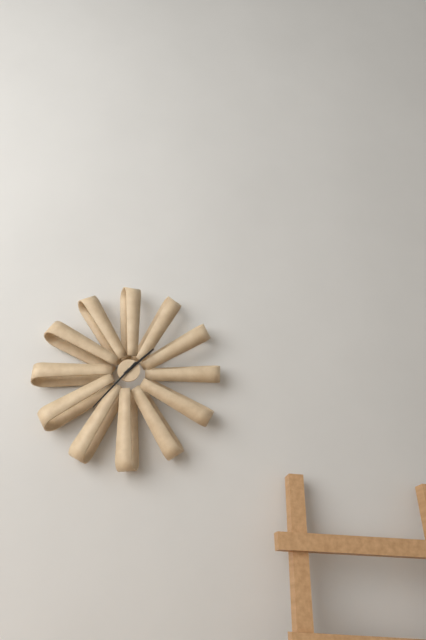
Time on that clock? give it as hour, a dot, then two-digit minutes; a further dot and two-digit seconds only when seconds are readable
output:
1.37
